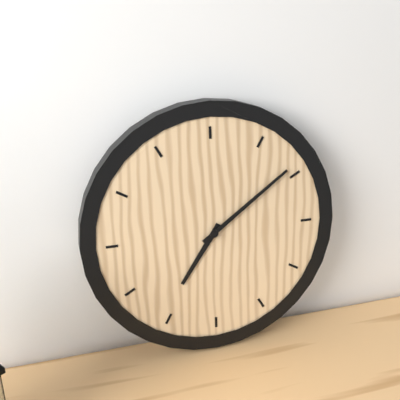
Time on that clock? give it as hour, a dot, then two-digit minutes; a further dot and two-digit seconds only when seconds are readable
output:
7.09
